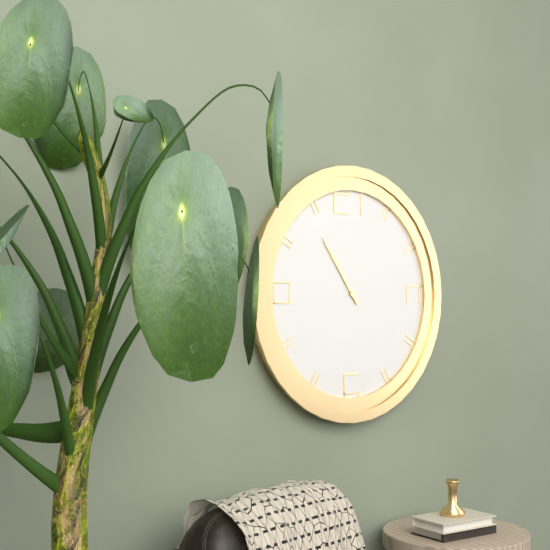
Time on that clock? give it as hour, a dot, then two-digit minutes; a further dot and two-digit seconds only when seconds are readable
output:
10.54
